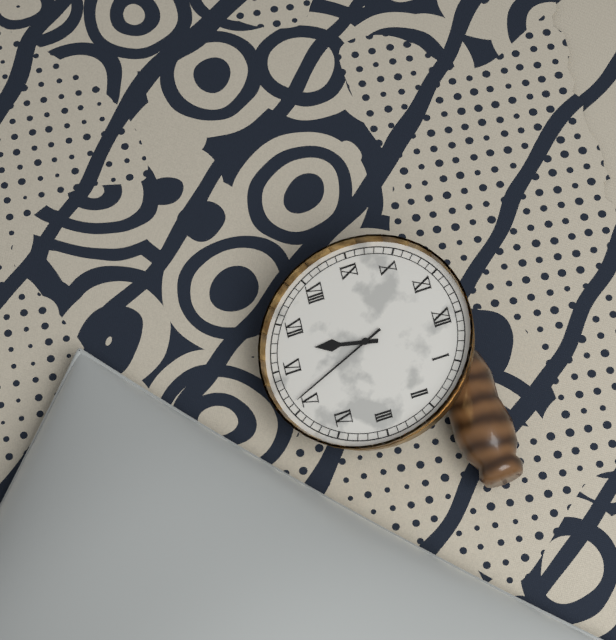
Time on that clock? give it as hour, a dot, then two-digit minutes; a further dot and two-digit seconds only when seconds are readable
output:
6.26
